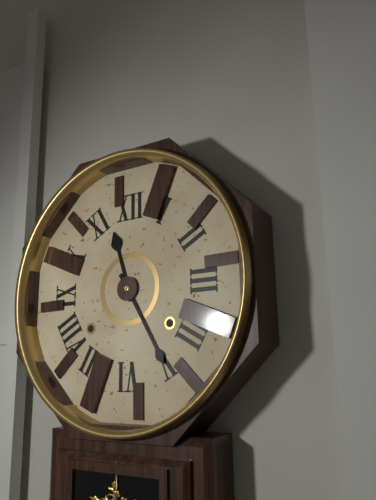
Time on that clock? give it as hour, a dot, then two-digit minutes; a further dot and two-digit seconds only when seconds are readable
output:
11.25
